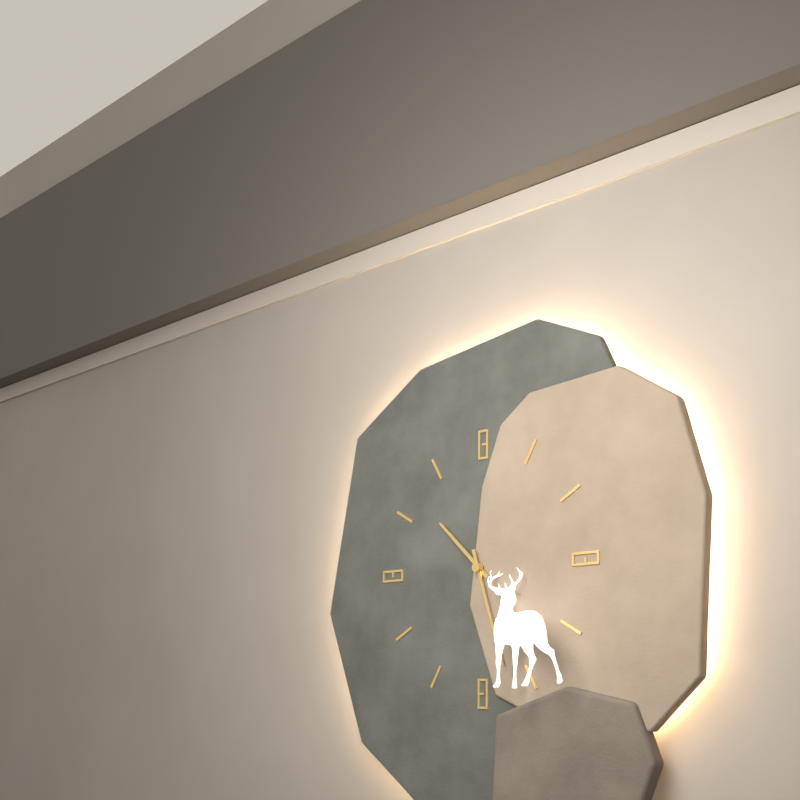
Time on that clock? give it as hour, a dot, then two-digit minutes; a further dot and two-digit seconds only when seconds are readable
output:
10.27
